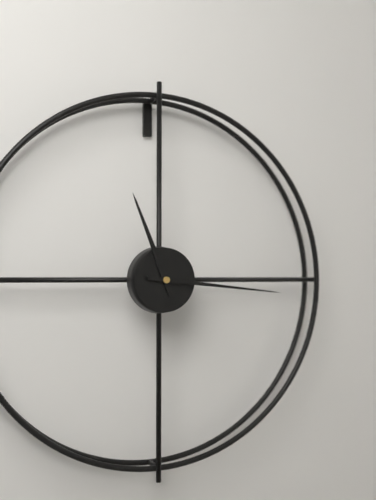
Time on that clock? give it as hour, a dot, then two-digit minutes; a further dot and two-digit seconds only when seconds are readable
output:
11.16
